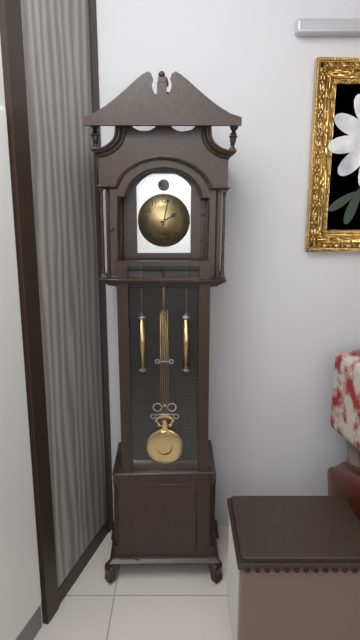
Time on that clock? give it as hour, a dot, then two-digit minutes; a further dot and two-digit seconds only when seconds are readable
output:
2.02
